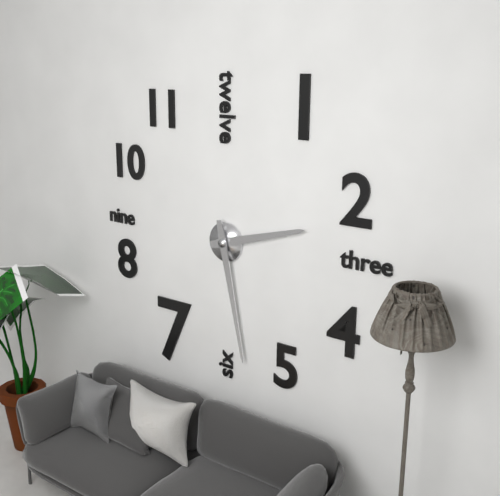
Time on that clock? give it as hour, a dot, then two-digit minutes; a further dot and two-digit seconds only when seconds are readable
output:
2.28
